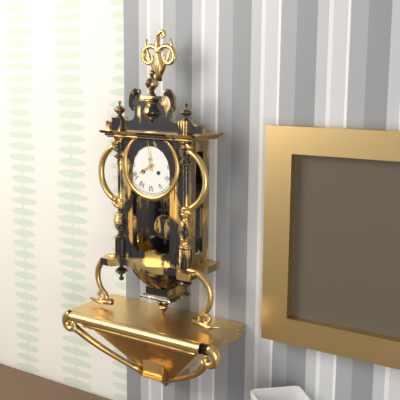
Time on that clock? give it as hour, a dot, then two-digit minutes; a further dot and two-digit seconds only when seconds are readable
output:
7.59
